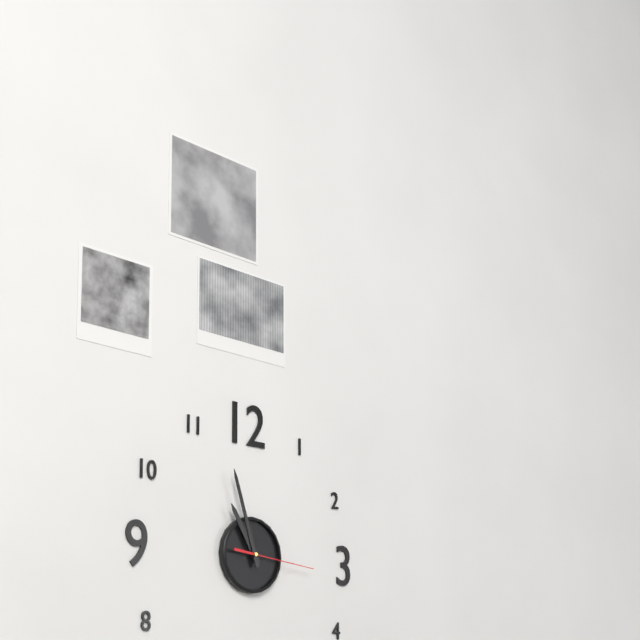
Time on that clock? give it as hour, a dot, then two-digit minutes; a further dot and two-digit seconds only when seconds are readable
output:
10.57.16
